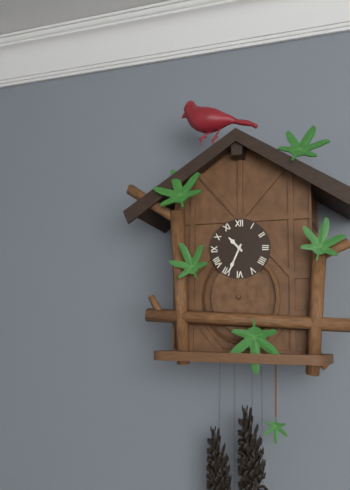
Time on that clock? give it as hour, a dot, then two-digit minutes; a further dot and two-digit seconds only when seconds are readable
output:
10.34
